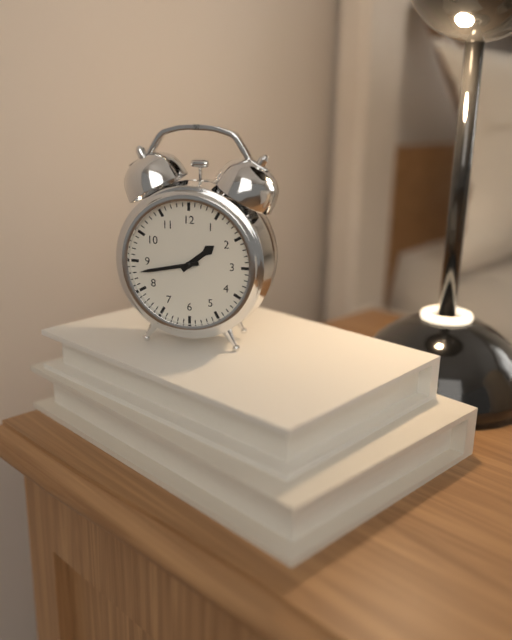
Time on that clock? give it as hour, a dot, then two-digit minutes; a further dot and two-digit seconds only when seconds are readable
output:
1.43
